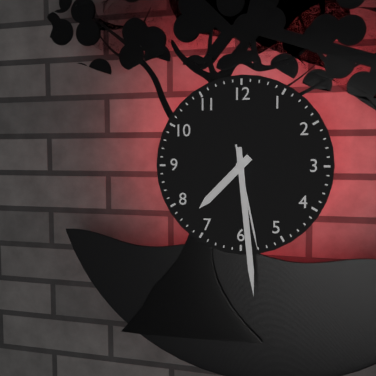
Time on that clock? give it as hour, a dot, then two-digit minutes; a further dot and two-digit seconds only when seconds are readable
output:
7.29.28
